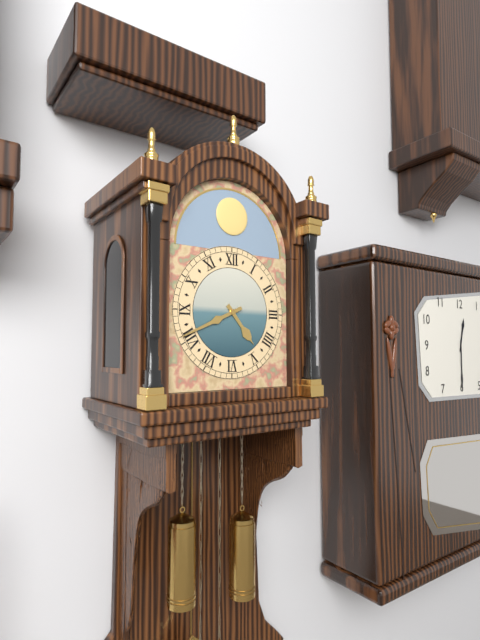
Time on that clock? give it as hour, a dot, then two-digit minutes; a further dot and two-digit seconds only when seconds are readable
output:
4.41
